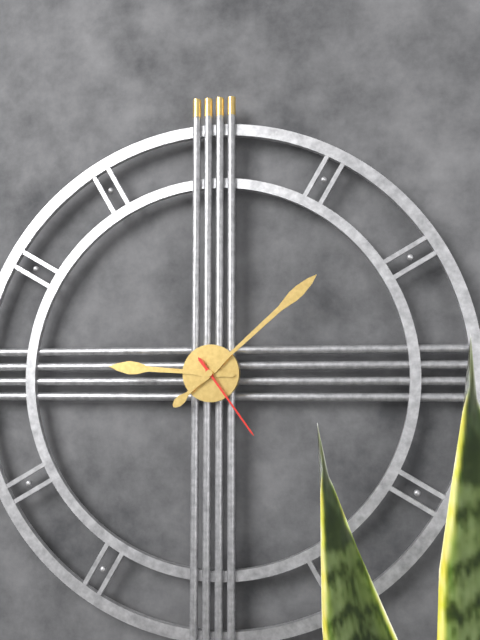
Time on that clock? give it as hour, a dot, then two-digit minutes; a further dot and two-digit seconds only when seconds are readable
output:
9.08.24
